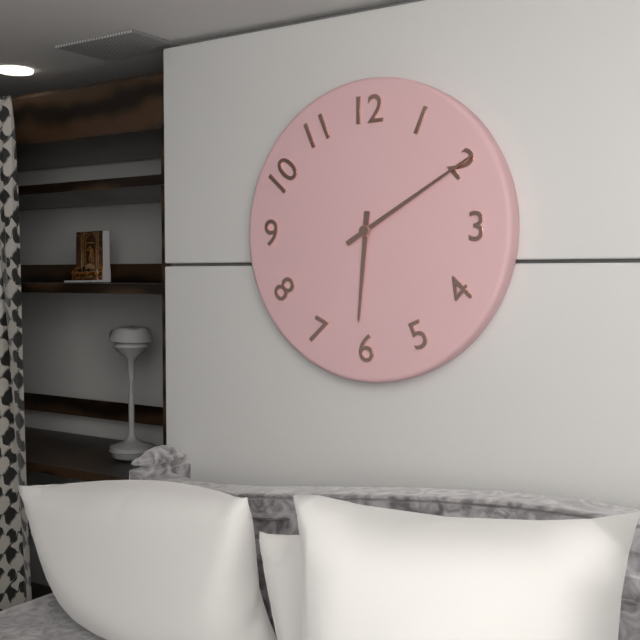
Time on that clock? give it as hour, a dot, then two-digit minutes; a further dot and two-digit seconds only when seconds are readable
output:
6.10
